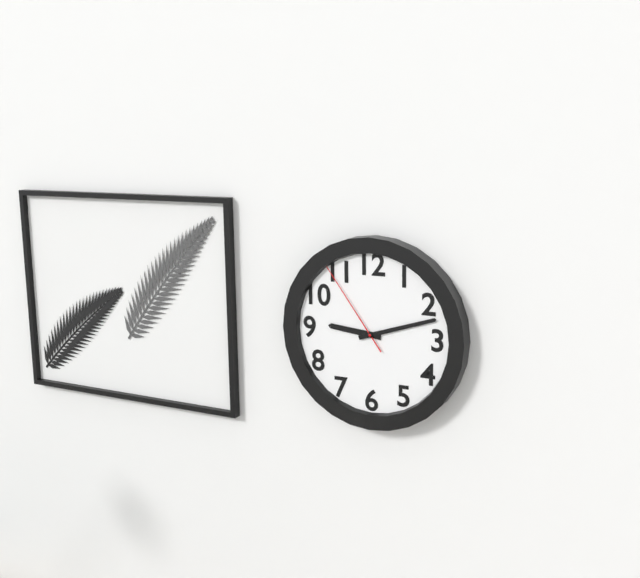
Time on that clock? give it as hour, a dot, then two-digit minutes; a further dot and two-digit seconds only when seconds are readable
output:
9.12.54
